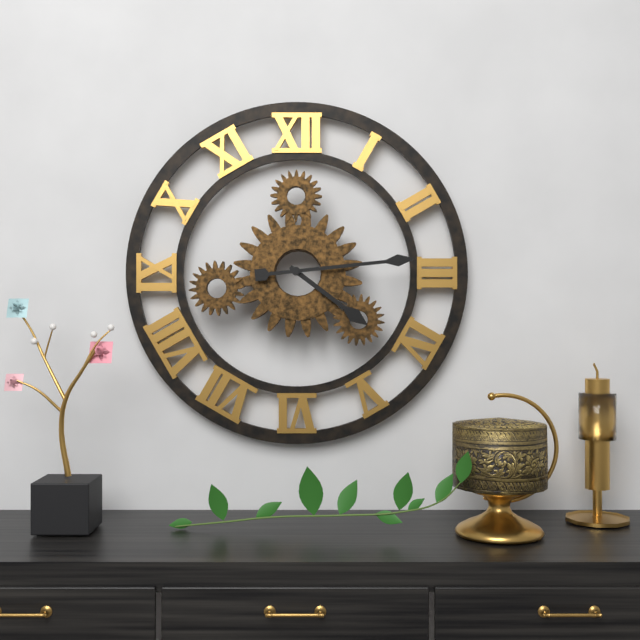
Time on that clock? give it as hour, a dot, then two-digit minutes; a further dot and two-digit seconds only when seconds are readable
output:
4.14
